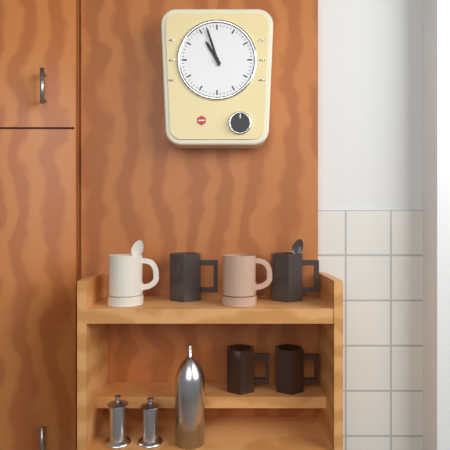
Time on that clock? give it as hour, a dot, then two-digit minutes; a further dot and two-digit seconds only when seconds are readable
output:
10.57
